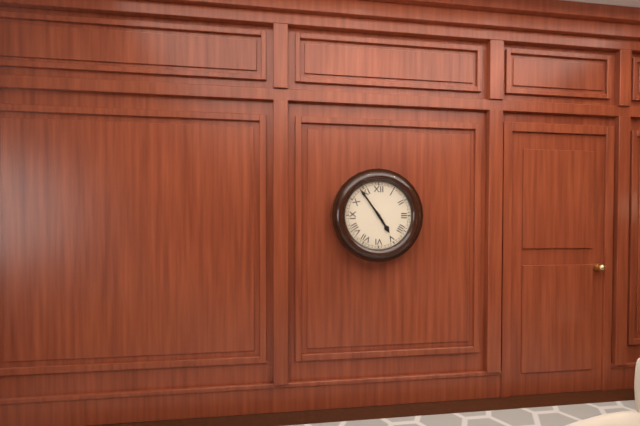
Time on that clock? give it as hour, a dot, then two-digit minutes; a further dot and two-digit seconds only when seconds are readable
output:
4.54
